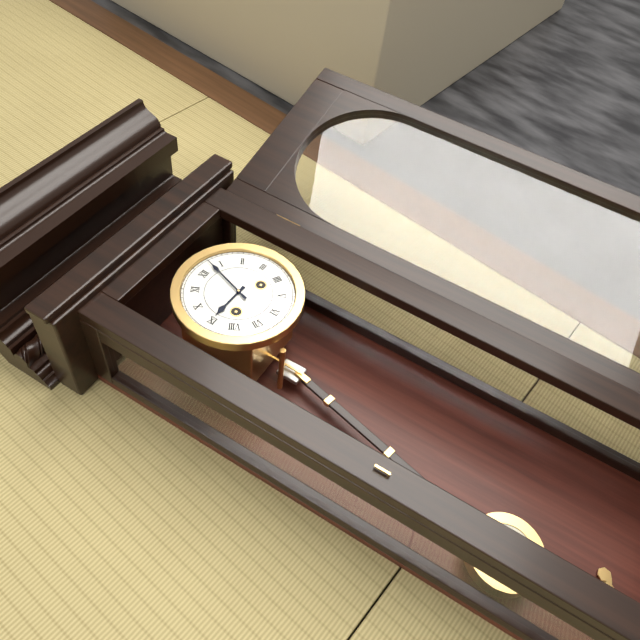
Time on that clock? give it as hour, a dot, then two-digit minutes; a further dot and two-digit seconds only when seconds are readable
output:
9.03
